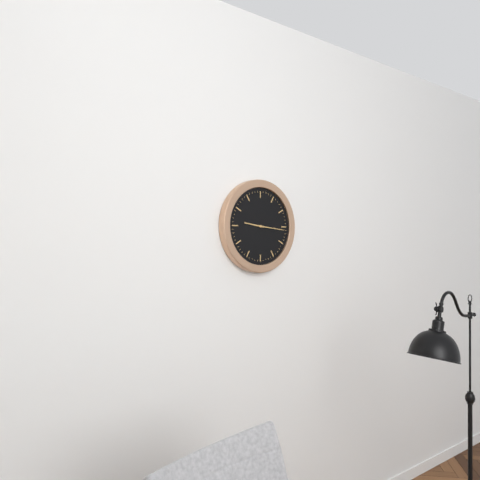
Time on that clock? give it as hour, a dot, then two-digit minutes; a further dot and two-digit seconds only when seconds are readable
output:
9.16
